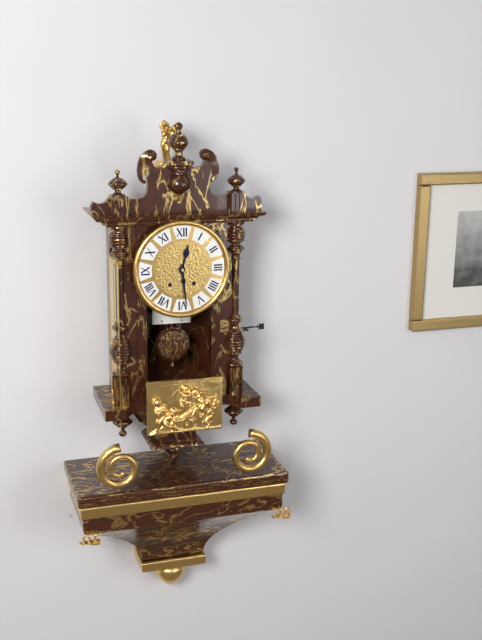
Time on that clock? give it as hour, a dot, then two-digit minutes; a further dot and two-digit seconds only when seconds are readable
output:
12.29
